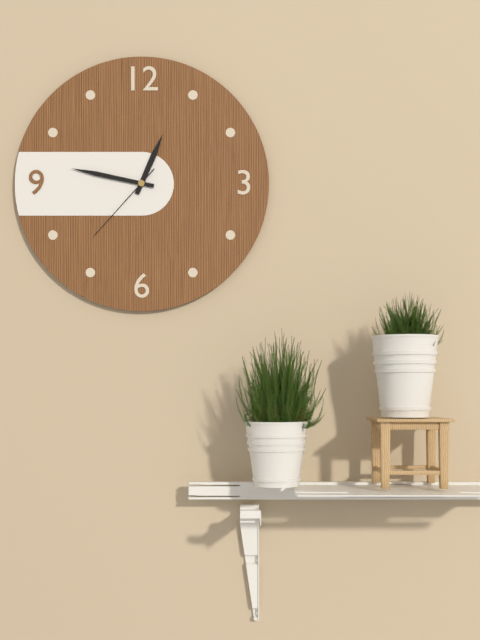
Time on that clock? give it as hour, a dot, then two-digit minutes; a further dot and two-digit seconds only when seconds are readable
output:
12.47.37
